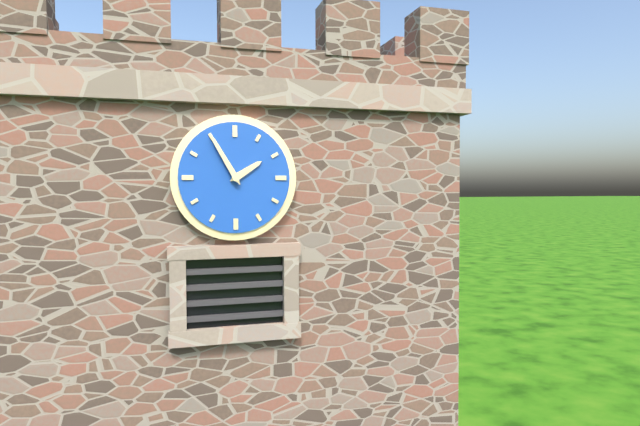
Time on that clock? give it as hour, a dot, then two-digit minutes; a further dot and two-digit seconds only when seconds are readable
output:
1.55
